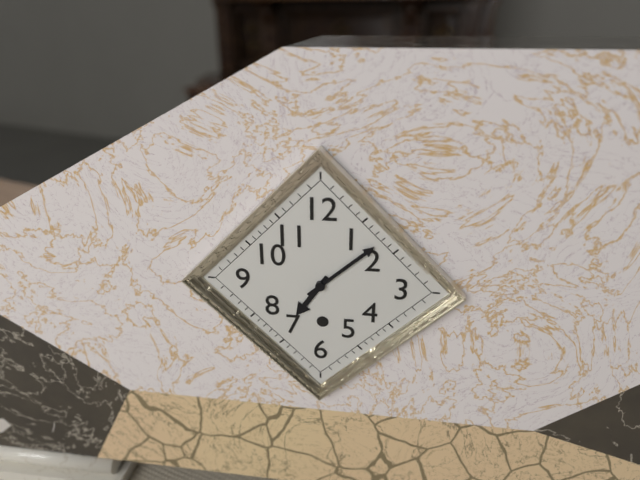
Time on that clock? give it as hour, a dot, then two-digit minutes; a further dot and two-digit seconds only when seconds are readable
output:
7.08
